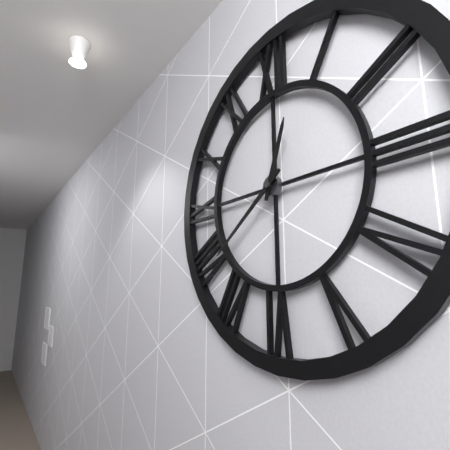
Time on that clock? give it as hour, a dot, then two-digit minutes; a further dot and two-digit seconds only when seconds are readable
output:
12.39
